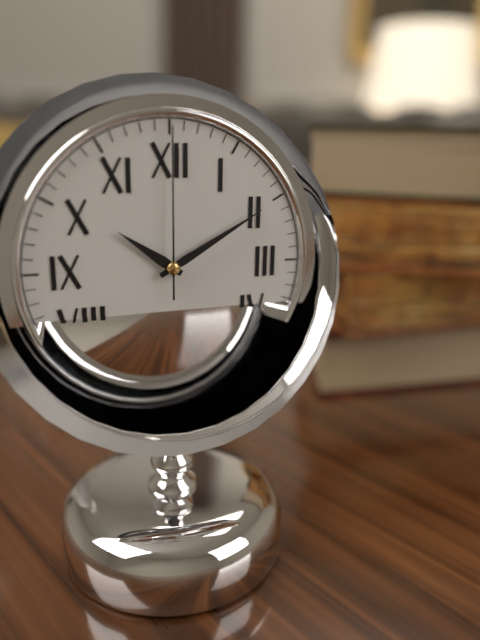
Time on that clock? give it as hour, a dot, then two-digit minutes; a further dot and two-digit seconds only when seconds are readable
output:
10.10.00
